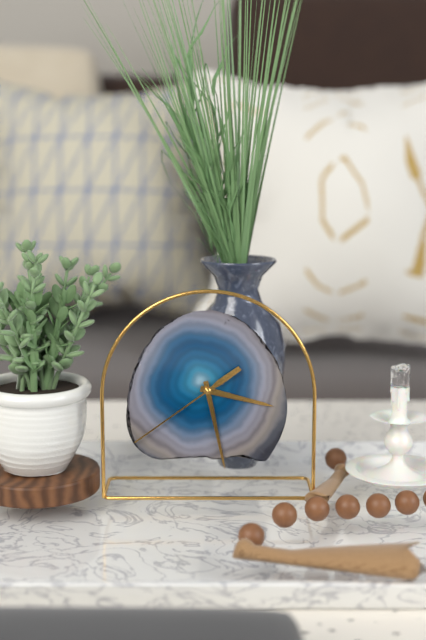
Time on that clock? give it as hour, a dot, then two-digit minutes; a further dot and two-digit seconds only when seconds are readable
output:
3.28.39
